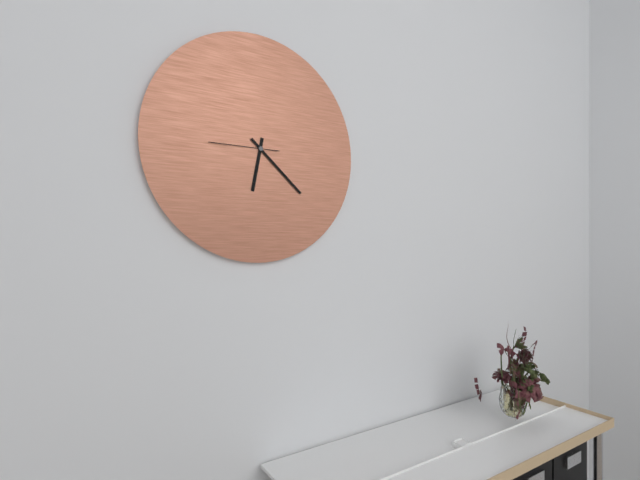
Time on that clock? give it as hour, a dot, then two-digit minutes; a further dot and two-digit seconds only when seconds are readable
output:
6.22.45
